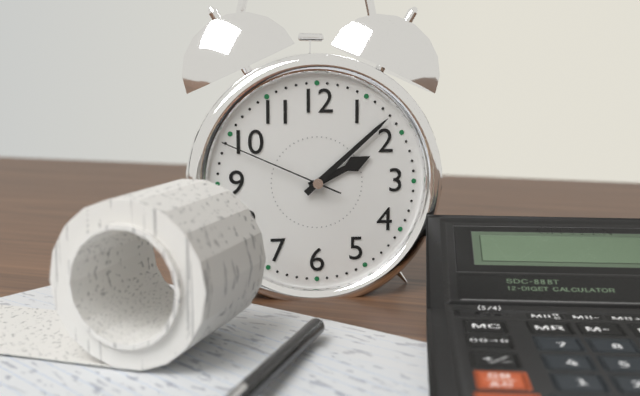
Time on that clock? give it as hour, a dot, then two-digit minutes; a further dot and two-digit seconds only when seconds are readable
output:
2.08.49
